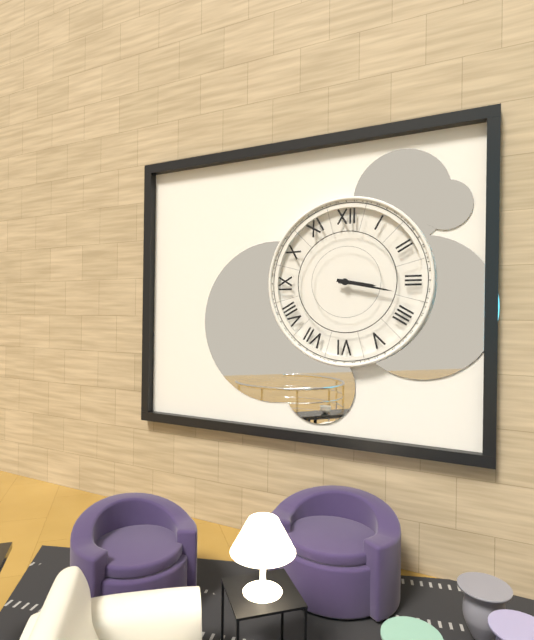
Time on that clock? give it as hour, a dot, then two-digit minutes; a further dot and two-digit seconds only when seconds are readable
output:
3.17
